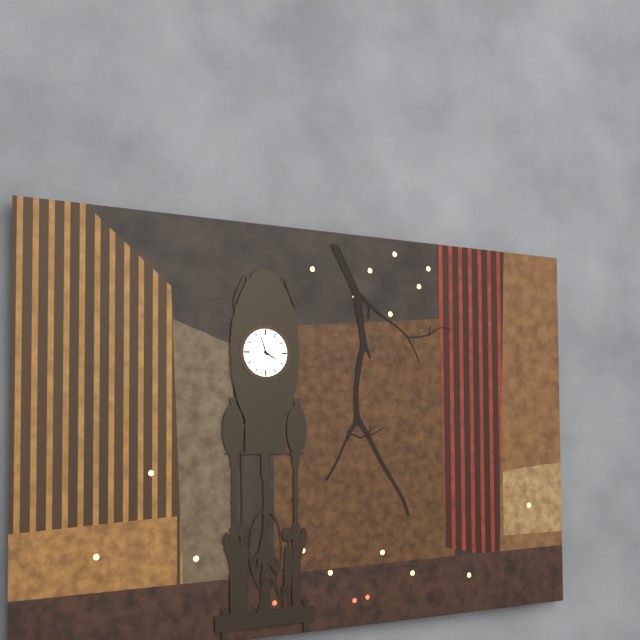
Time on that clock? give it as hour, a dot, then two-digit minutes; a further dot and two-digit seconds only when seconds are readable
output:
3.57
